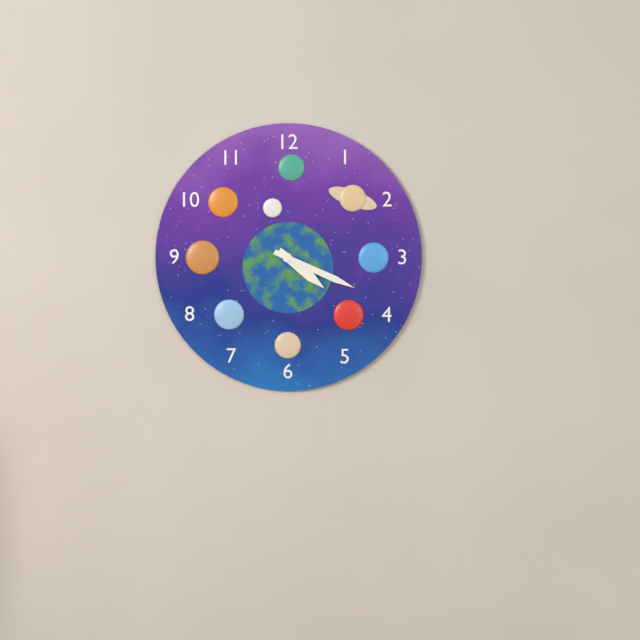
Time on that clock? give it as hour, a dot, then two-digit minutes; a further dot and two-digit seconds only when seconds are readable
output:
4.19
